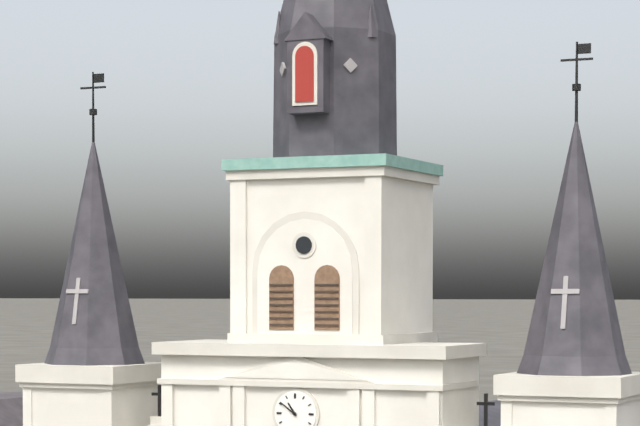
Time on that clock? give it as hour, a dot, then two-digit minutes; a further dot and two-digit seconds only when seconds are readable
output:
10.51
